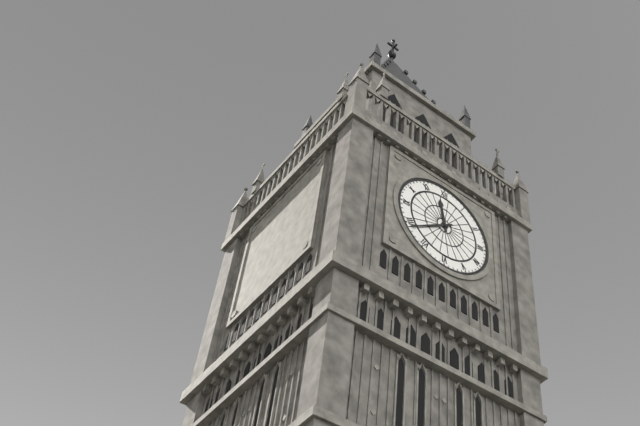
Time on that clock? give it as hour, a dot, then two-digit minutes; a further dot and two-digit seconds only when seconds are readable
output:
11.39
